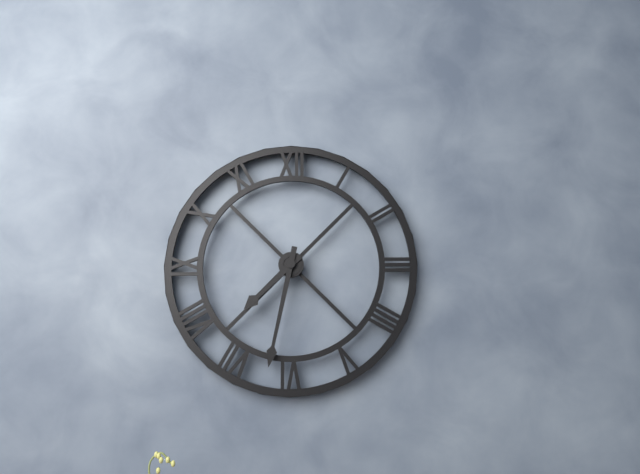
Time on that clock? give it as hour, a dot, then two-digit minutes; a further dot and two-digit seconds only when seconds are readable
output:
7.32
